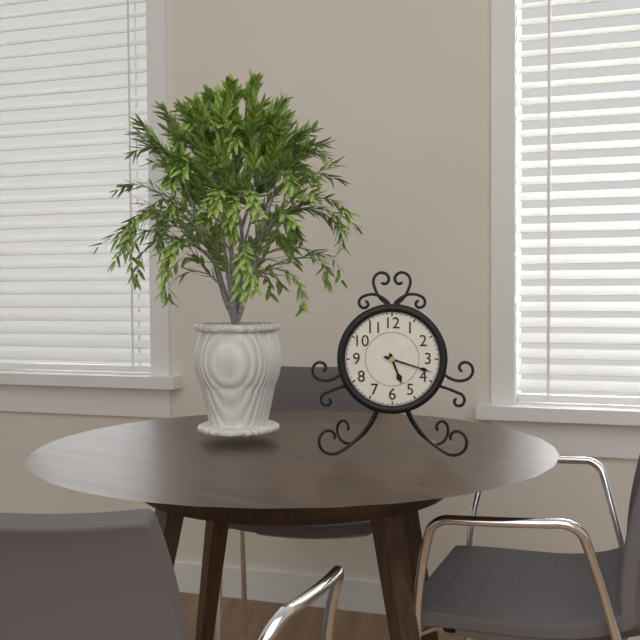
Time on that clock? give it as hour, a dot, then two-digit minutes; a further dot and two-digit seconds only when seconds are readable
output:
5.18
